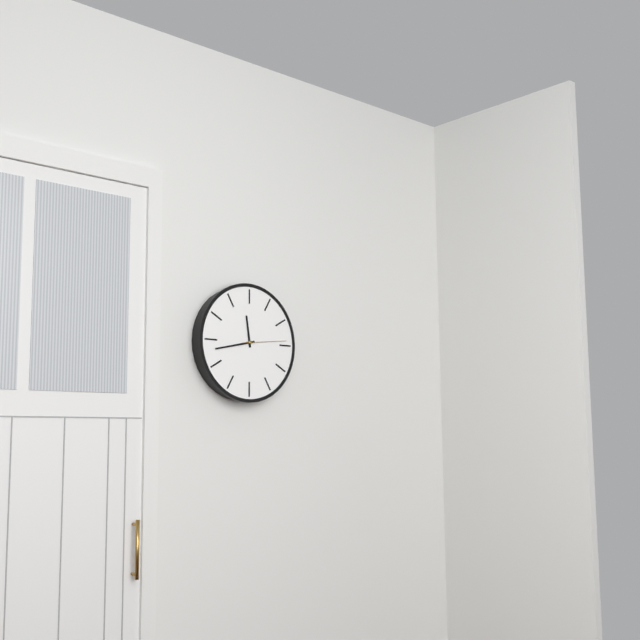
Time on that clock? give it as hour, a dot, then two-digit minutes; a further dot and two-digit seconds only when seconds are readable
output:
11.43
